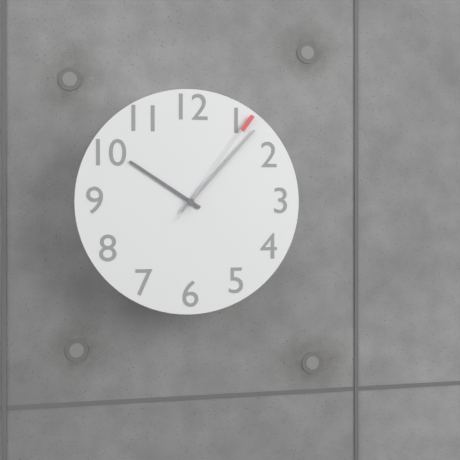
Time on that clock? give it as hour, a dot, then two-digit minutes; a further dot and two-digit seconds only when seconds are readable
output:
10.07.06
